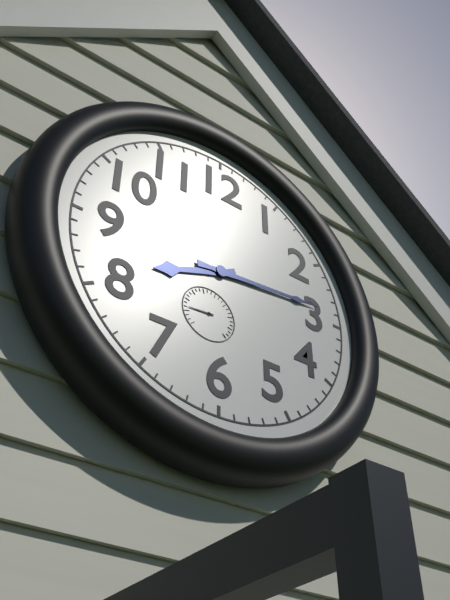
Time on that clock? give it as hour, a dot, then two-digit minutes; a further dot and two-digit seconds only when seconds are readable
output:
8.14
